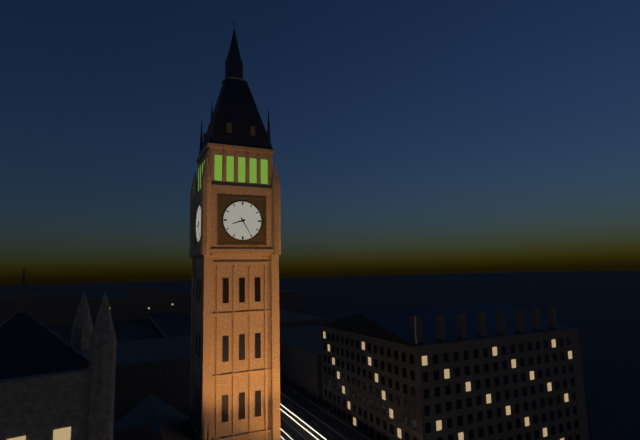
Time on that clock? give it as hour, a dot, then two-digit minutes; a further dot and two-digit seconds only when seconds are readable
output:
8.25
